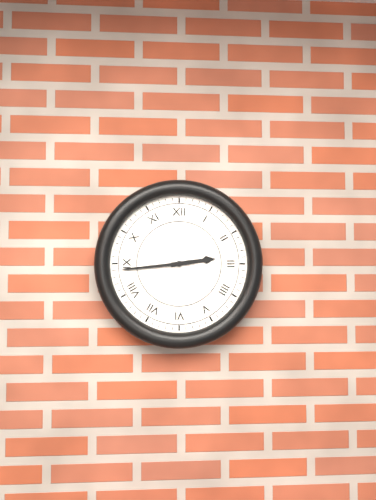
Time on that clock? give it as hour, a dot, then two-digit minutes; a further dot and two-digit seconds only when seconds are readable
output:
2.44
